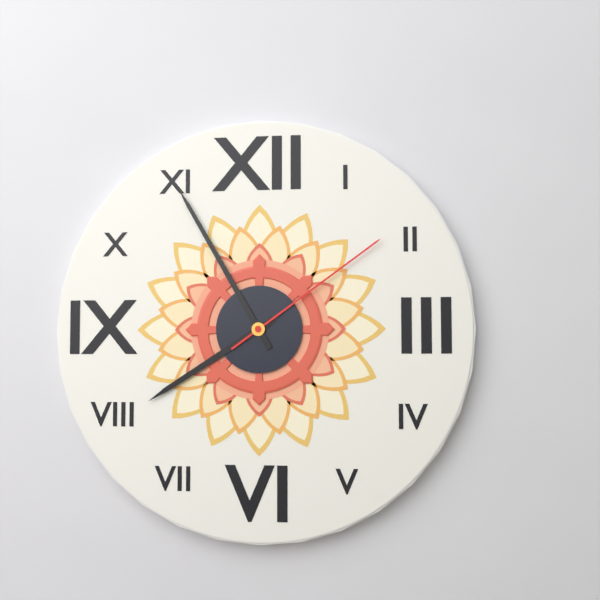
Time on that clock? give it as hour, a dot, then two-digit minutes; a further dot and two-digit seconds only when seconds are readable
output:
7.55.09
